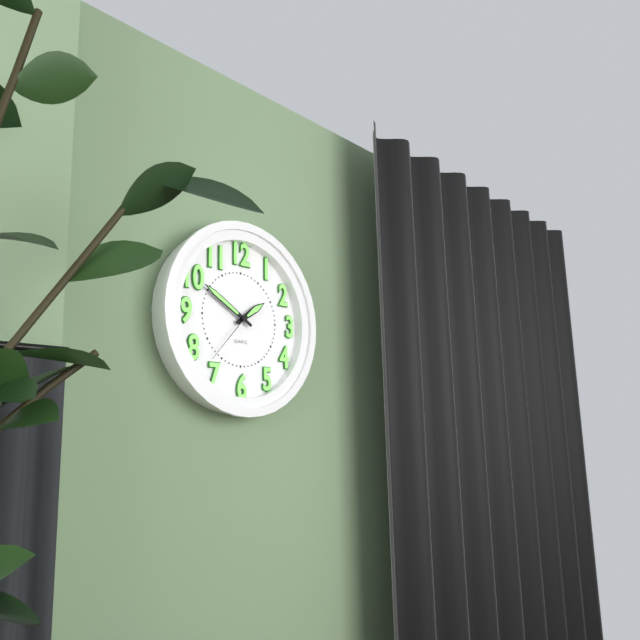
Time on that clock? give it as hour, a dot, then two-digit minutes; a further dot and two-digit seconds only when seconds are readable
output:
1.50.37
